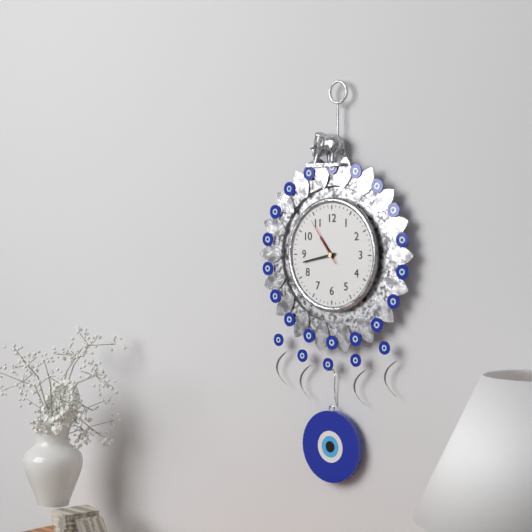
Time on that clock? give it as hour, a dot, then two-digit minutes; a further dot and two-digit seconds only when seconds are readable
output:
10.43.54
